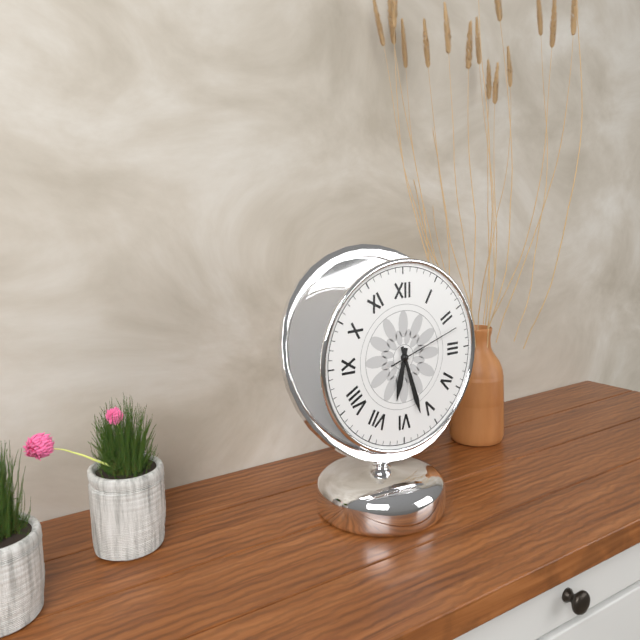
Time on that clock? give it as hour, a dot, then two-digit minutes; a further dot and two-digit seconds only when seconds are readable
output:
6.27.12
